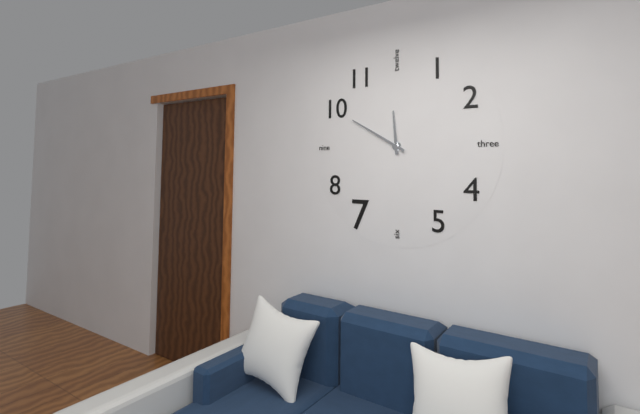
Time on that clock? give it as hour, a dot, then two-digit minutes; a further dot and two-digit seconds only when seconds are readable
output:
11.50
